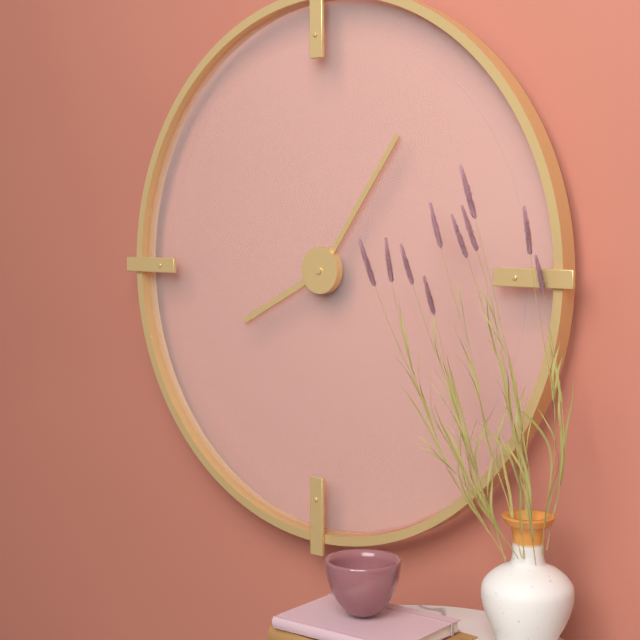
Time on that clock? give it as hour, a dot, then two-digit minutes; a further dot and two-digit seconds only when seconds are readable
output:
8.06
